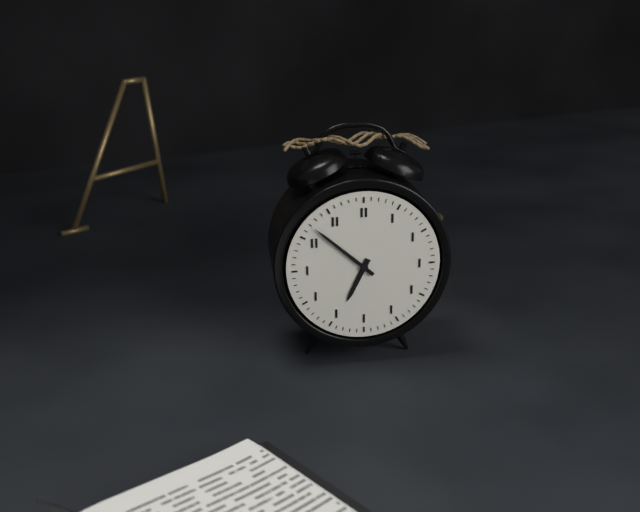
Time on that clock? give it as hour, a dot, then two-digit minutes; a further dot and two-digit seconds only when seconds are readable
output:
6.52
